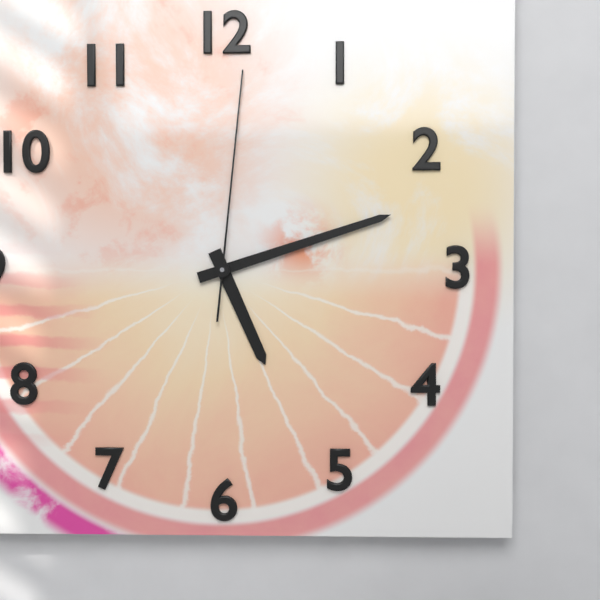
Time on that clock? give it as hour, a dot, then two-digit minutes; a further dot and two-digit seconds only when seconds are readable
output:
5.12.01
